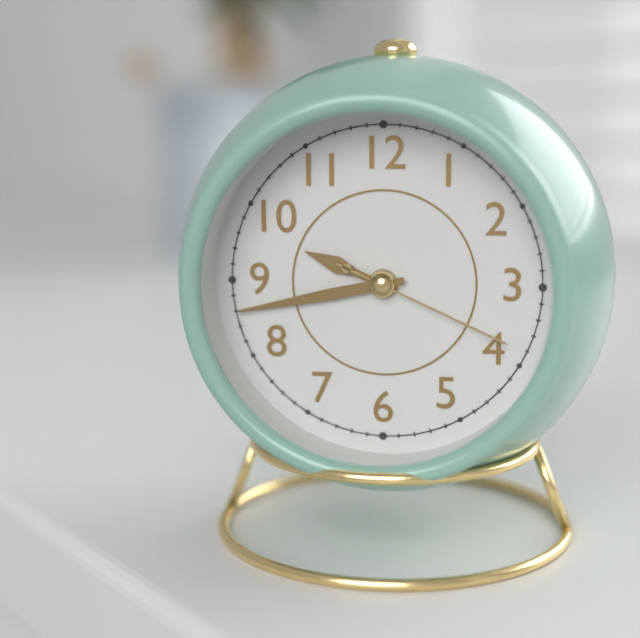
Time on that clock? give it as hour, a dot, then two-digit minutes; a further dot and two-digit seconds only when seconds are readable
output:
9.43.19
